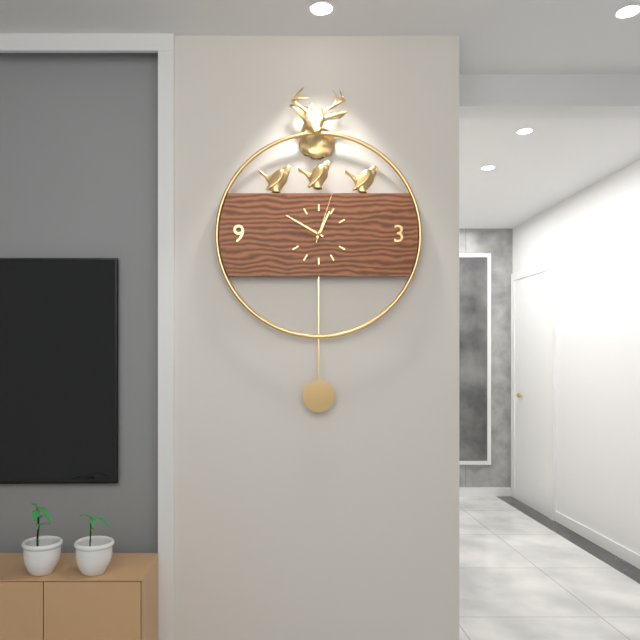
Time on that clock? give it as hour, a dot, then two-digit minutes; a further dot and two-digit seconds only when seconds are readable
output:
12.50.03
